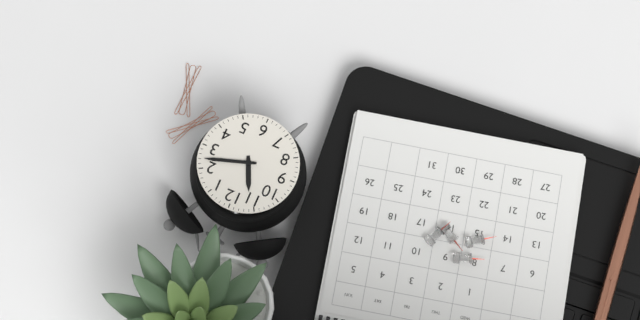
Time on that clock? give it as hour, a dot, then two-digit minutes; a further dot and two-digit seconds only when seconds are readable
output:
11.12
